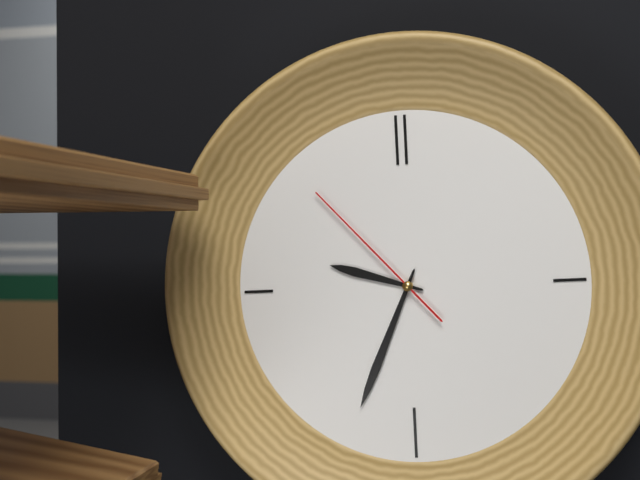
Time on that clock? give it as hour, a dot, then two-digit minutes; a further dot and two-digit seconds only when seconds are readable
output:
9.34.53
